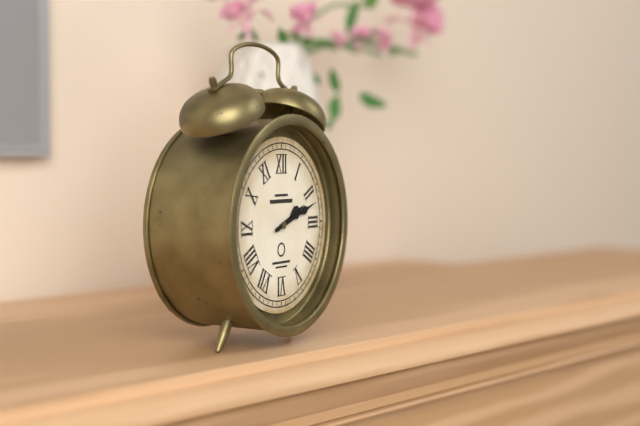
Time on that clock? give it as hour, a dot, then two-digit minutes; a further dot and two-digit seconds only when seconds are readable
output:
2.12
